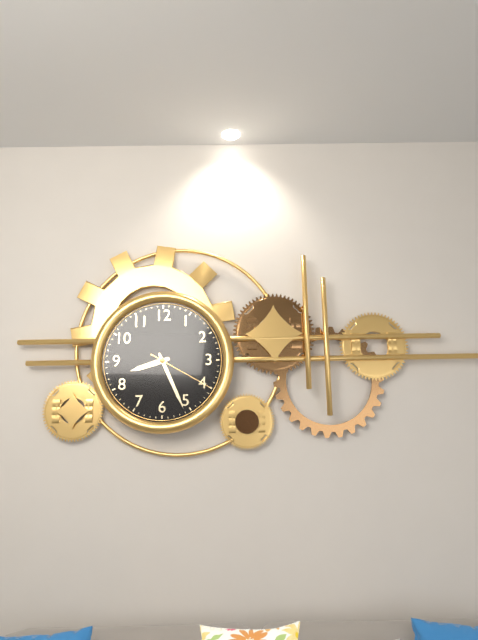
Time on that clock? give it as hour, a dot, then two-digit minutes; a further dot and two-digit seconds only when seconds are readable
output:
8.26.20
